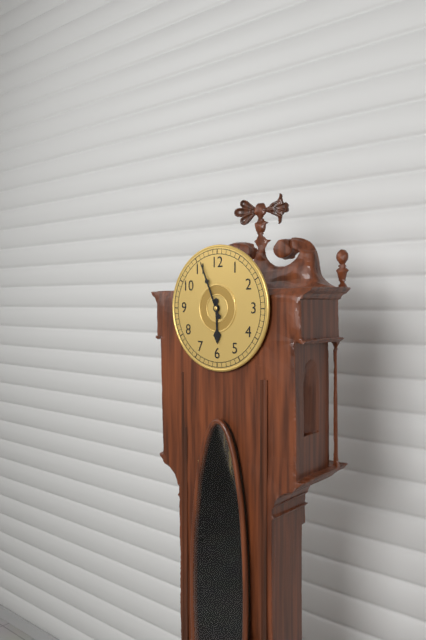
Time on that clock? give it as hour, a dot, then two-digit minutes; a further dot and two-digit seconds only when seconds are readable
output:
5.56
